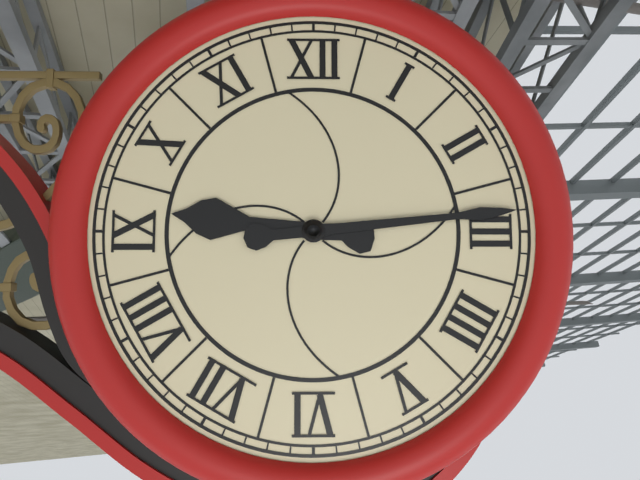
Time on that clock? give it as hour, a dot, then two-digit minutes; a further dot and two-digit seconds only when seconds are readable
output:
9.14
